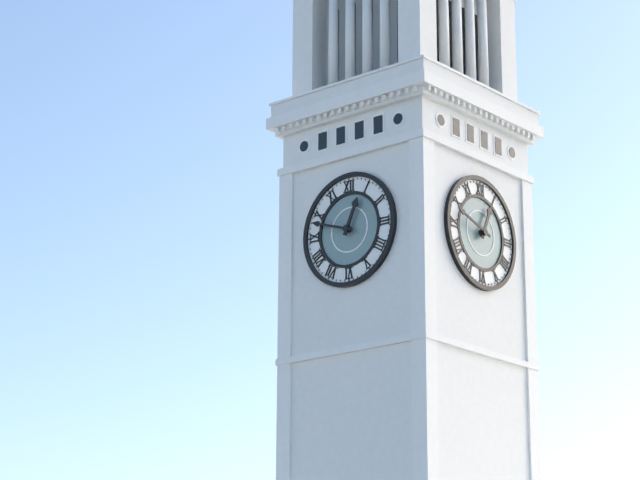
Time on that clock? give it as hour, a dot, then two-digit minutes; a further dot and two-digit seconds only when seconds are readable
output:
12.48
